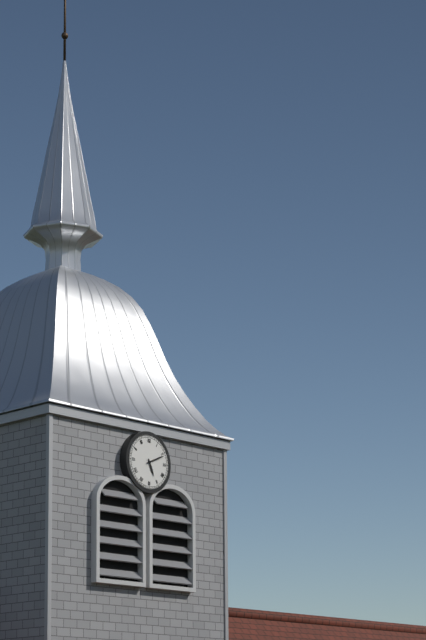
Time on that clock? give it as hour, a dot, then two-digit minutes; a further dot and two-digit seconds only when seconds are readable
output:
5.11
